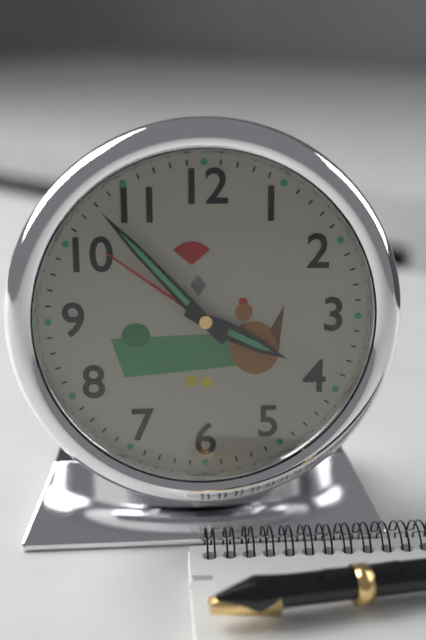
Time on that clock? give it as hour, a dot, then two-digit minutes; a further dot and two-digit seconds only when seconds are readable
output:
3.53
